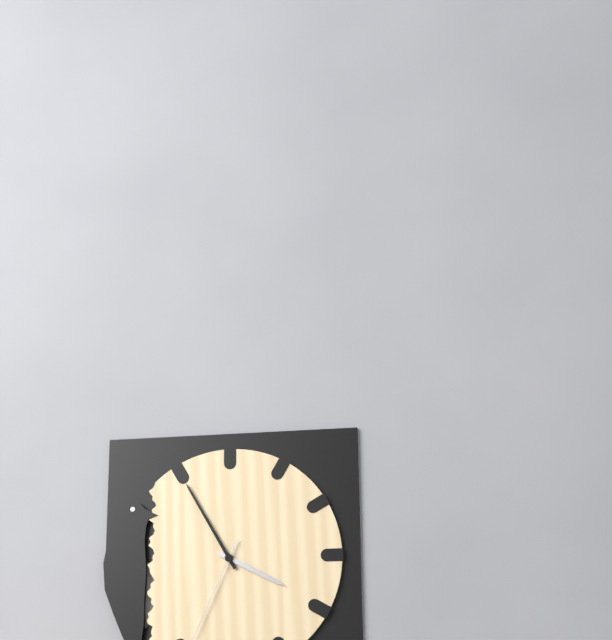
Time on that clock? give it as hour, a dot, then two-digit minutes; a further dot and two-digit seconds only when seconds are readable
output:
3.55
